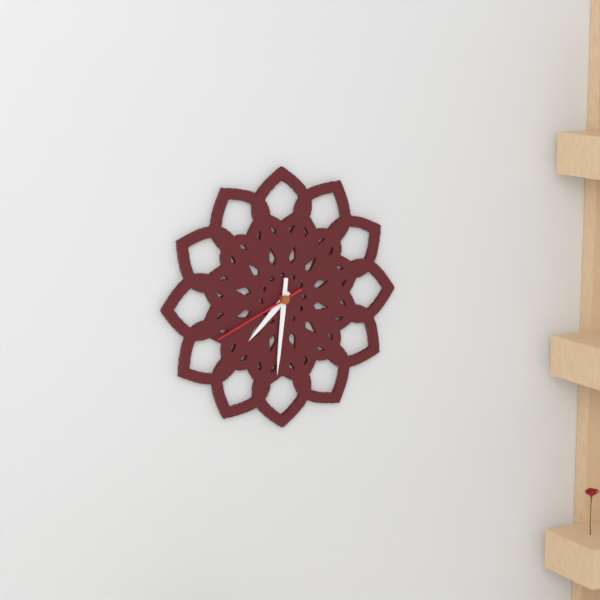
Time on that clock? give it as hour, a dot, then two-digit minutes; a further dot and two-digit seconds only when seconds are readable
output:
7.31.41
